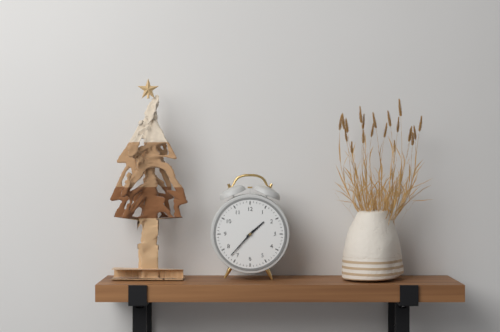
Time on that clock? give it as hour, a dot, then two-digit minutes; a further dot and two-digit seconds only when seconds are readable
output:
1.37
